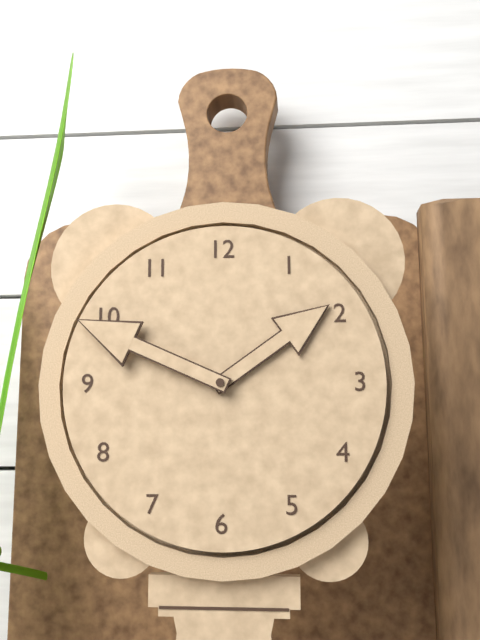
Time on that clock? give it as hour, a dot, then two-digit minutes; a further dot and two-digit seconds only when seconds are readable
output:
1.49
